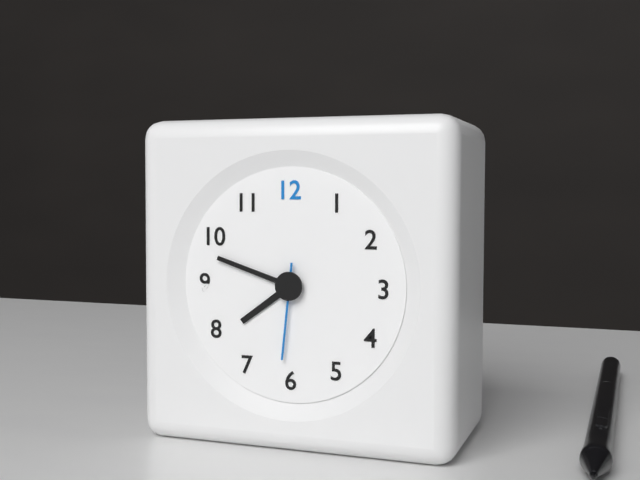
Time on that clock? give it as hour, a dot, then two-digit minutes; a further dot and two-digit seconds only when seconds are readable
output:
7.48.31
